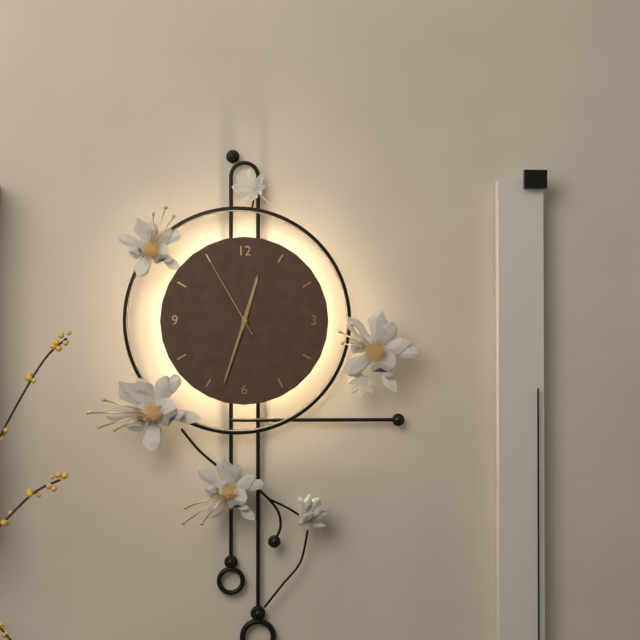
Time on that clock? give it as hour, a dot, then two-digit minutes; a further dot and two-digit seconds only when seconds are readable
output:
12.33.55
